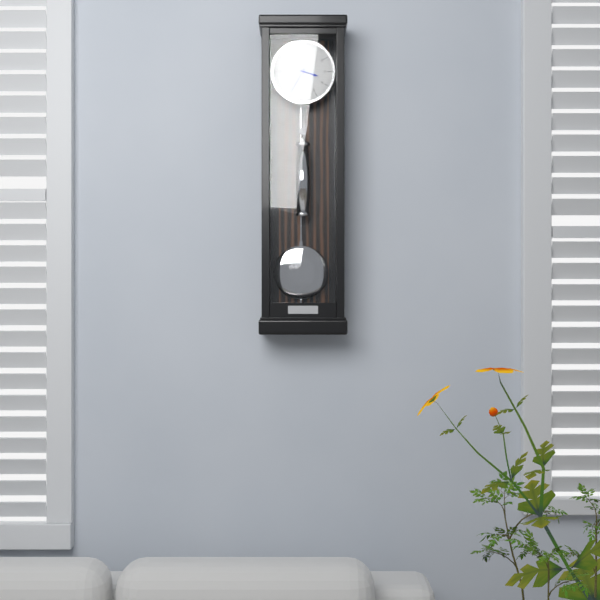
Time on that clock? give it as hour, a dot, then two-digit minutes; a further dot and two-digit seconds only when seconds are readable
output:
3.35
